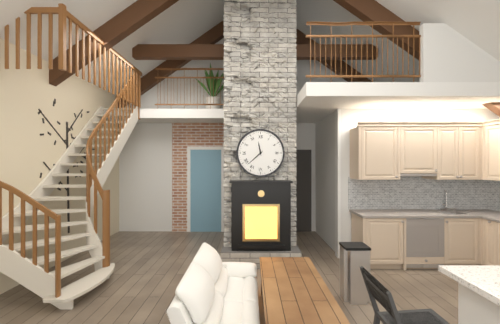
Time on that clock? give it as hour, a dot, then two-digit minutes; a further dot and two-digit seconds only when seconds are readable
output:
11.38
